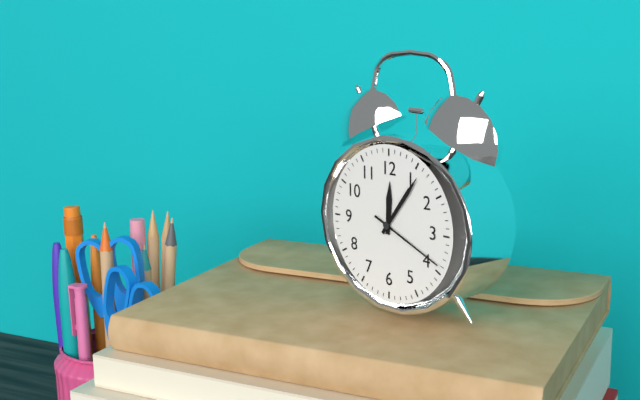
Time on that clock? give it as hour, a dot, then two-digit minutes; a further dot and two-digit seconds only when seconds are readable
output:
12.06.19
